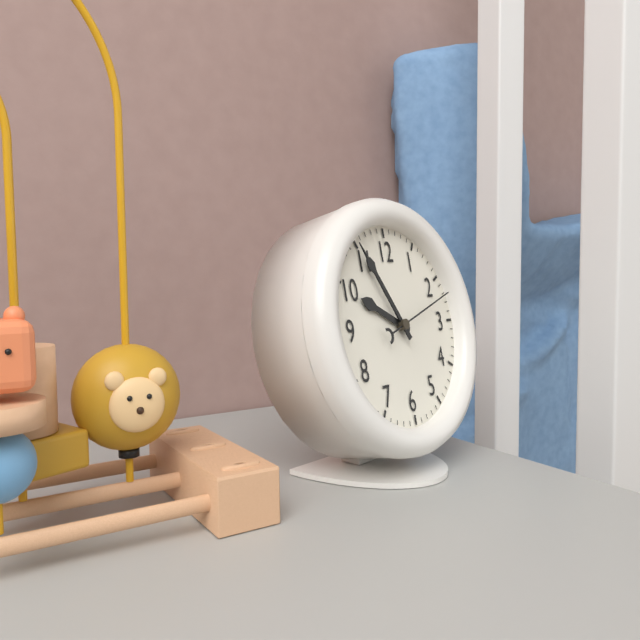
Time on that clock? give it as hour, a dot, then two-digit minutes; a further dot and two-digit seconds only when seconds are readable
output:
9.55.12
